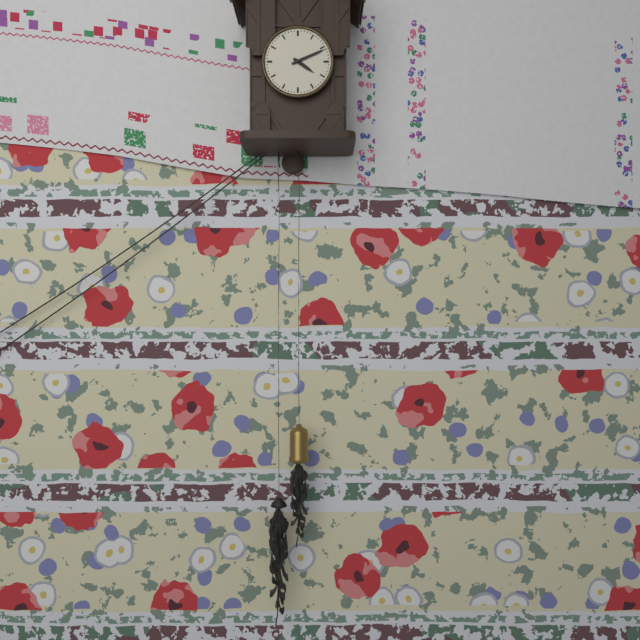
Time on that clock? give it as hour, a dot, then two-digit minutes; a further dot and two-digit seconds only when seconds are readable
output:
4.11
